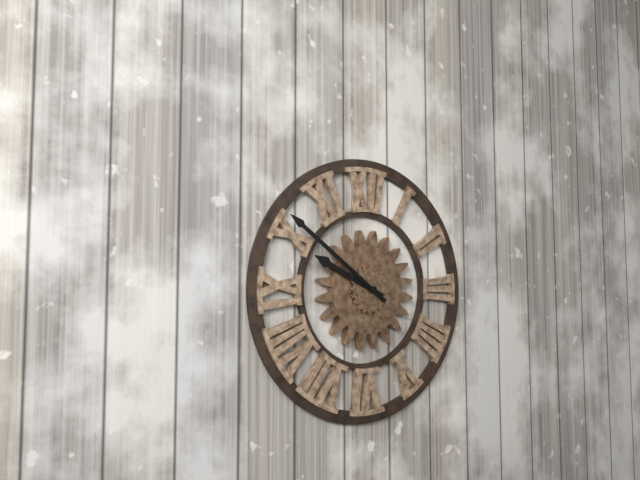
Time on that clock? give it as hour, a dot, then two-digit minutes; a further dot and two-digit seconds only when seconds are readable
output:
9.51
